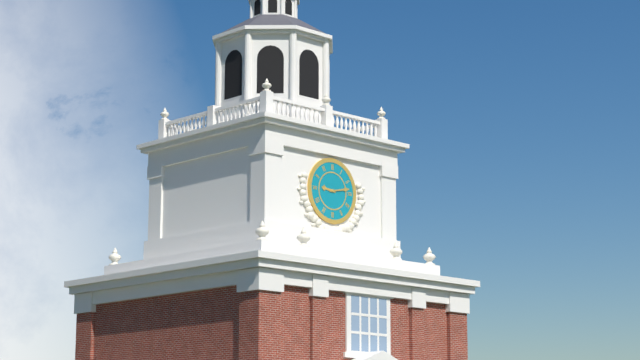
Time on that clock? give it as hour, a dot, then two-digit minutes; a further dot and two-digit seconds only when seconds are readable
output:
9.13
